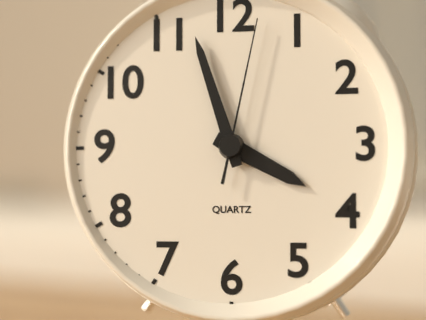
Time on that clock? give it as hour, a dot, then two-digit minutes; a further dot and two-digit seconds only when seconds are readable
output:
3.57.02
